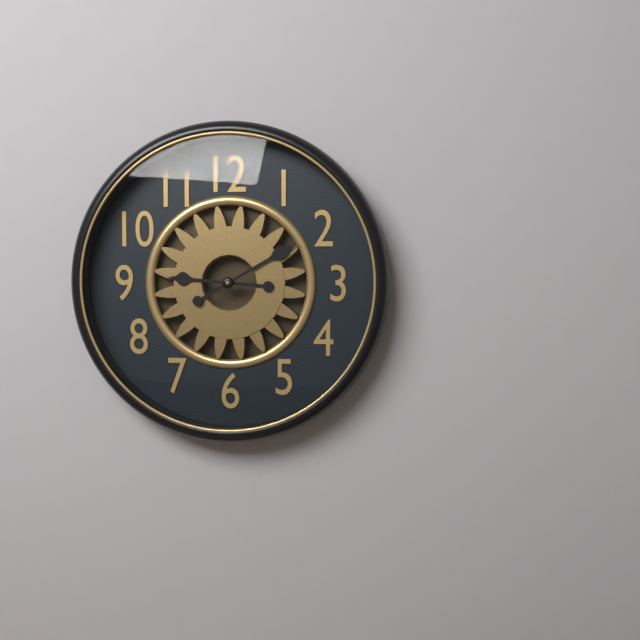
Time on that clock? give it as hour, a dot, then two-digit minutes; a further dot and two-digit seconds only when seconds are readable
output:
9.10
